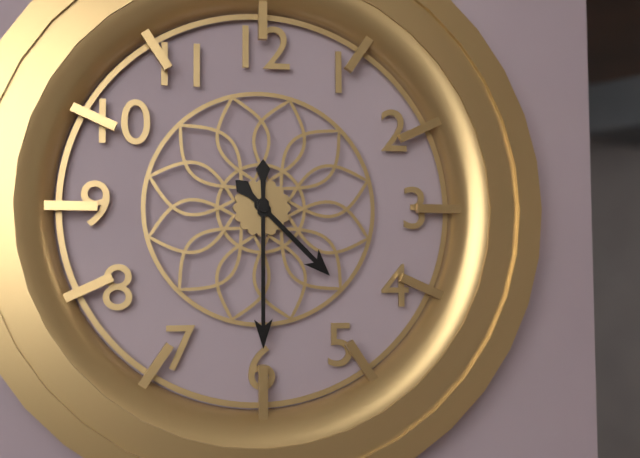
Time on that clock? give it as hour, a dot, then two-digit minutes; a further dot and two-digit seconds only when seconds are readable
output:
4.30
